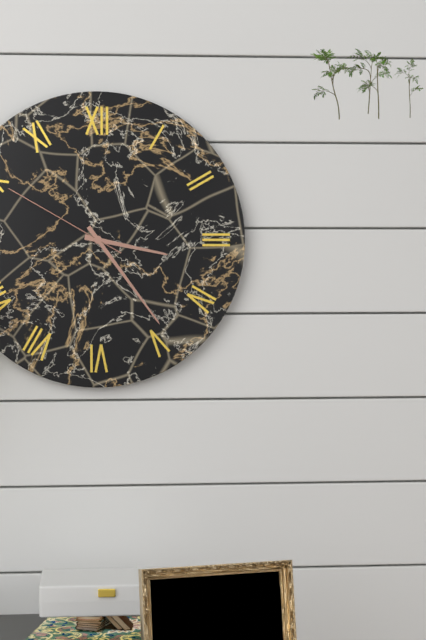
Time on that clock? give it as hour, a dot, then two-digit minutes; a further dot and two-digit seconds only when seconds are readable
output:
3.24.50
